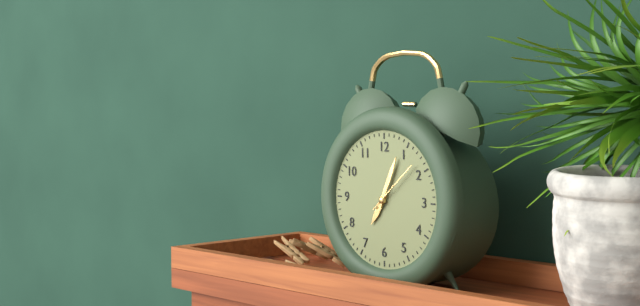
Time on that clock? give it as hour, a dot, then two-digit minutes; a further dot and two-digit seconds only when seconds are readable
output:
7.04.08
